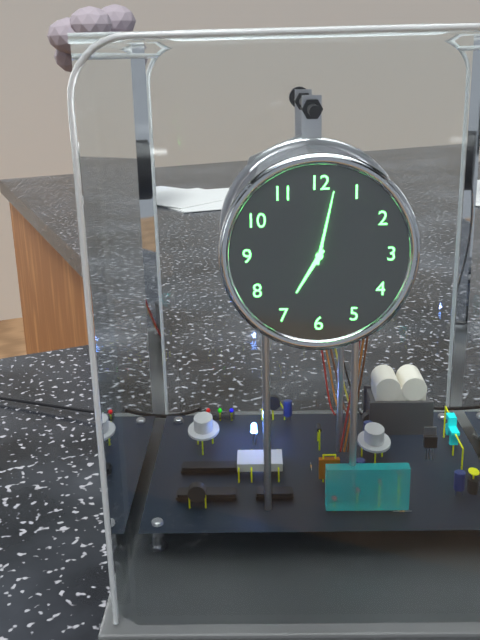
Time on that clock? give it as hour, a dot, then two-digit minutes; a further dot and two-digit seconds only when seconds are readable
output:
7.02
